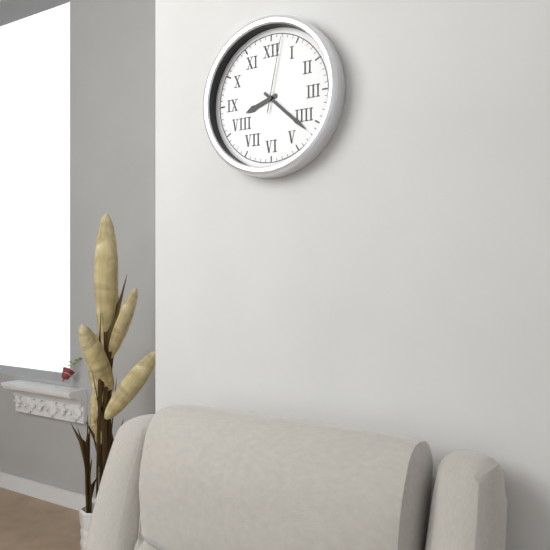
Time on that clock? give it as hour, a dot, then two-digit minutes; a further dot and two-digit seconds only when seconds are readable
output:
8.22.02
